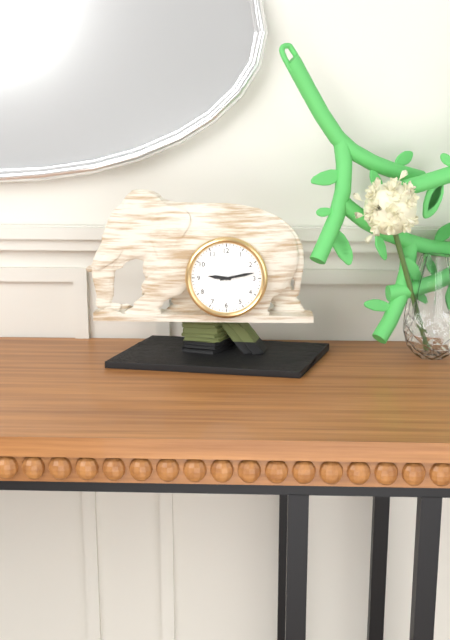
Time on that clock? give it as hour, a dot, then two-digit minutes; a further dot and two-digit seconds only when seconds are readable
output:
9.13
